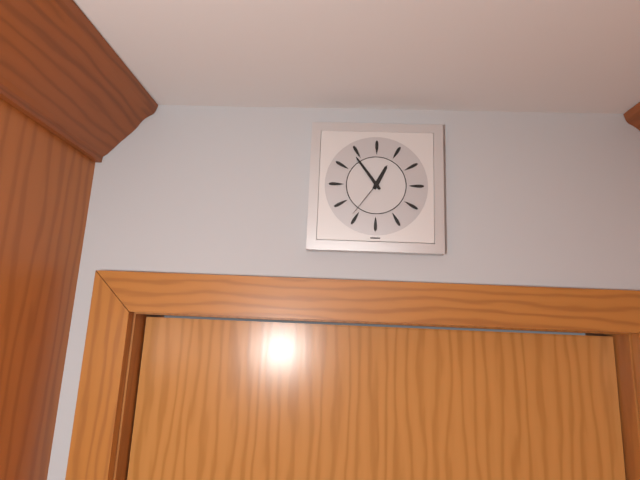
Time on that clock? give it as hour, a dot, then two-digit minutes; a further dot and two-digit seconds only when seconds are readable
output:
12.54
